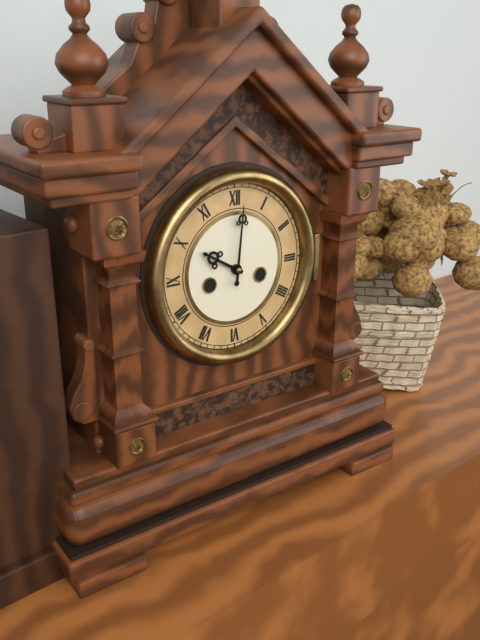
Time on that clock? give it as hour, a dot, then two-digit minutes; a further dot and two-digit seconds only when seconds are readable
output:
10.01
